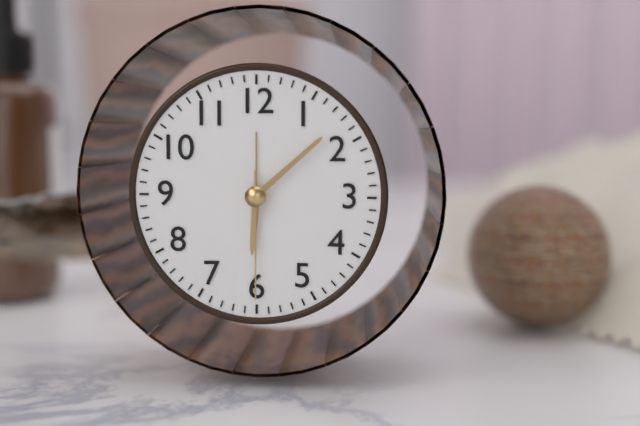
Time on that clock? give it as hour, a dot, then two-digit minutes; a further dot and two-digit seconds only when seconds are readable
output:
6.08.30
